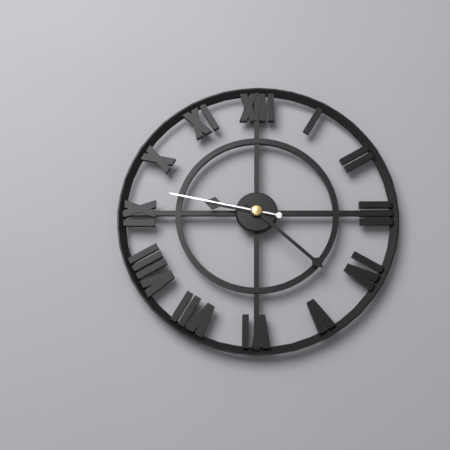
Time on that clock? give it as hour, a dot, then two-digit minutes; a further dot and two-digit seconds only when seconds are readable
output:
9.22.47
